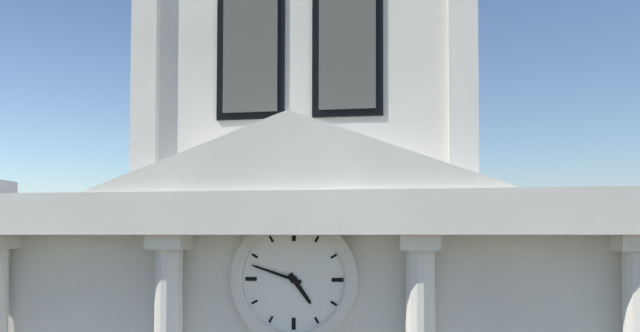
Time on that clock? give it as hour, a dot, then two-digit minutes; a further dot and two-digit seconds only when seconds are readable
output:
4.48
